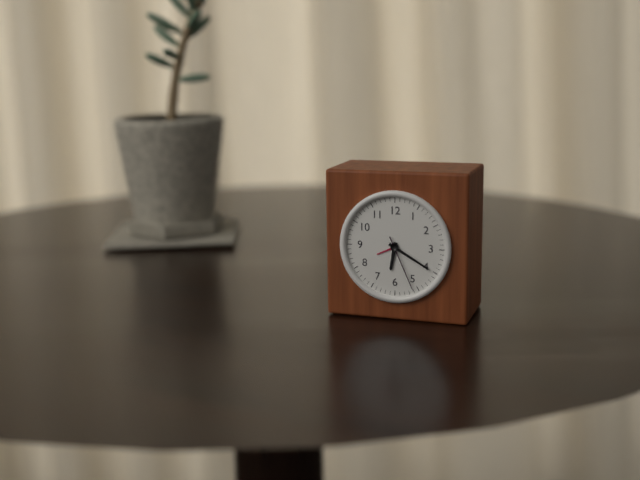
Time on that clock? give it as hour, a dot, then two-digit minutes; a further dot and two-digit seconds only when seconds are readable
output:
6.20.26
